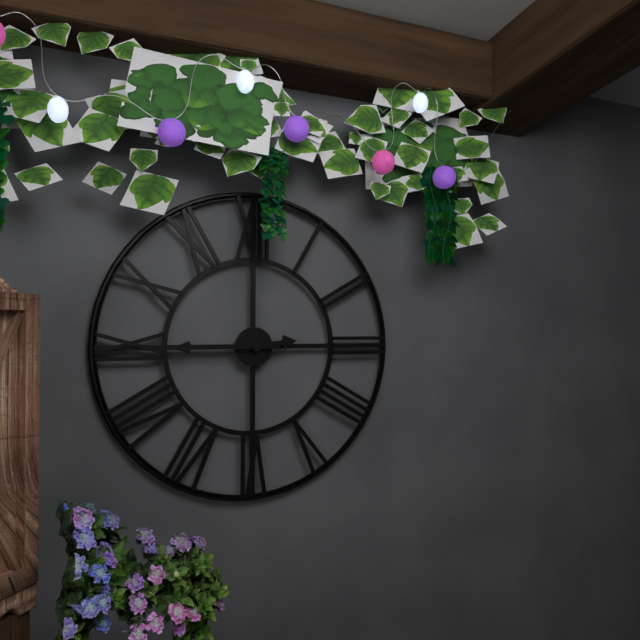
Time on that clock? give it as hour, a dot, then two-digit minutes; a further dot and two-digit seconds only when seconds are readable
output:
2.45
